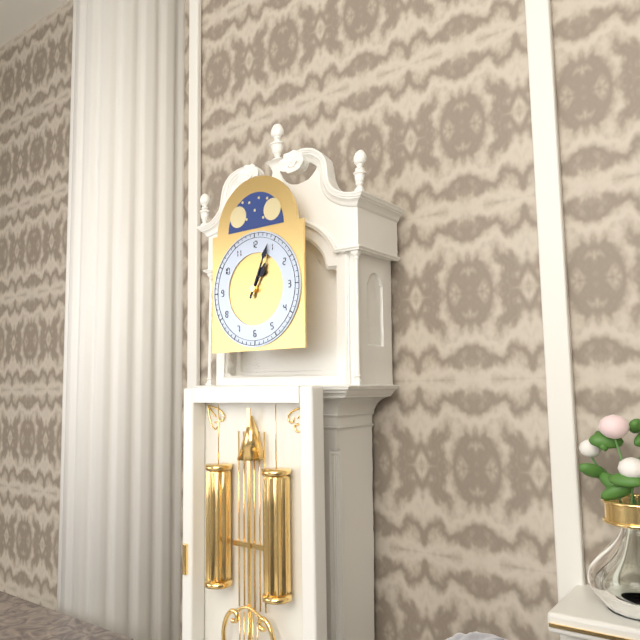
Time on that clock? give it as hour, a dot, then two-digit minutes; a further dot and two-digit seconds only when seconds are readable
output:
1.04
